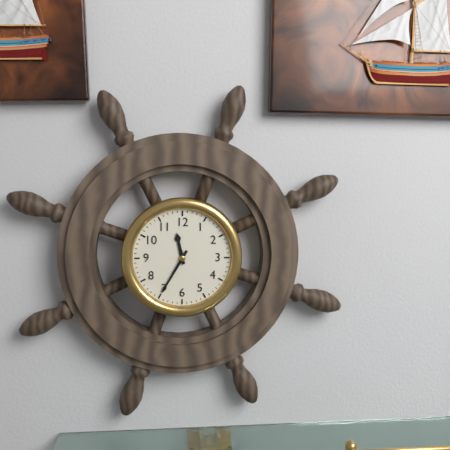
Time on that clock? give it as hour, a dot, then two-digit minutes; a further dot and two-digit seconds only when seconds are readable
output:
11.35
